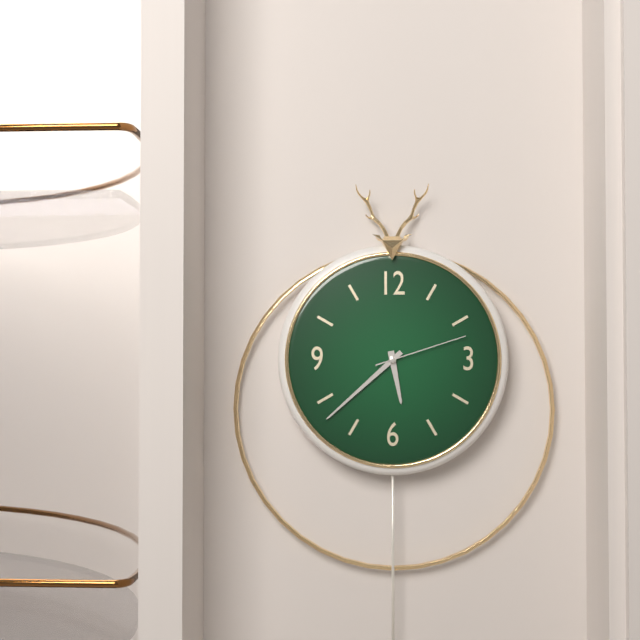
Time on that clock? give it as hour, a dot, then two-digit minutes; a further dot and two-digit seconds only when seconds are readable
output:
5.38.12
